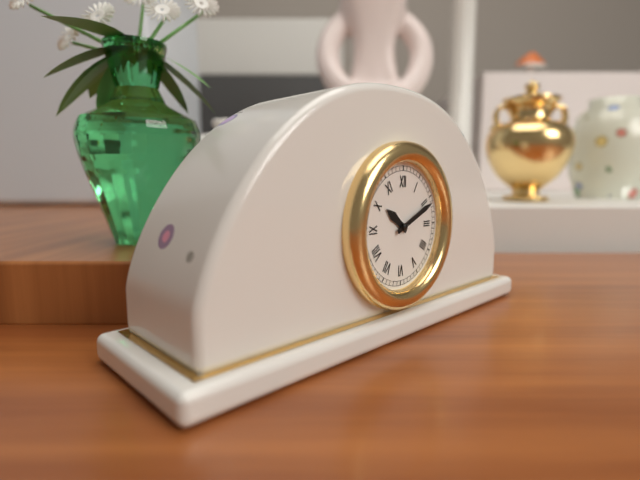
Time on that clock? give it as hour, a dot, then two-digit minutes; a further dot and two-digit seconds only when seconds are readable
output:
10.11
